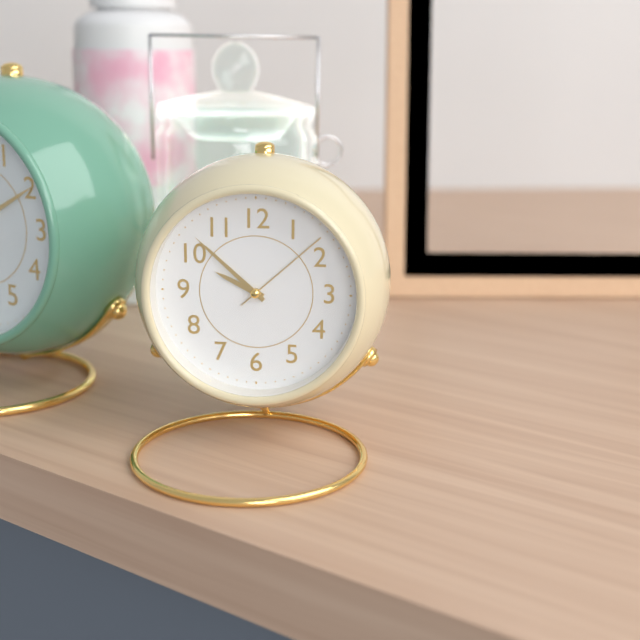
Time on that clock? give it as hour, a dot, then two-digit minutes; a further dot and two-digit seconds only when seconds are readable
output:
9.52.08
